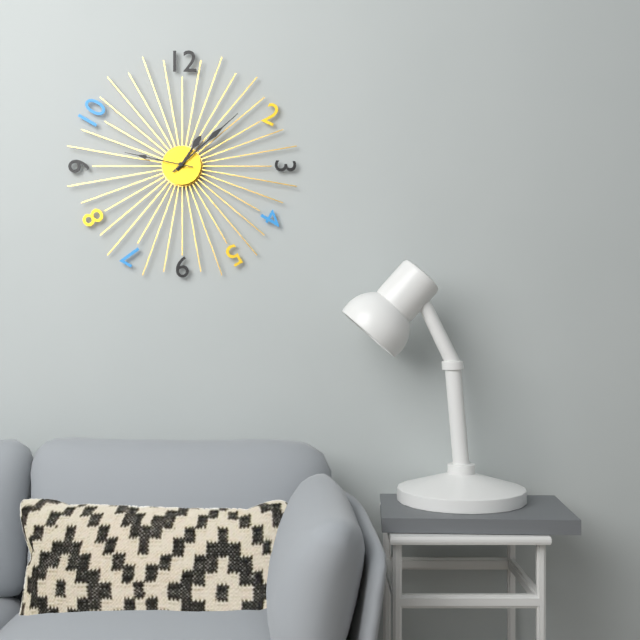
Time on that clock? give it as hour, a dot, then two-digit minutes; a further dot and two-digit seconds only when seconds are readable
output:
1.08.47
